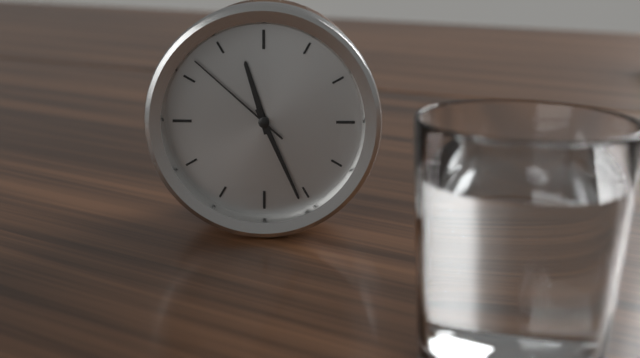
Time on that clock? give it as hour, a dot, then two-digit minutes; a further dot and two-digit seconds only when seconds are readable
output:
11.26.52
